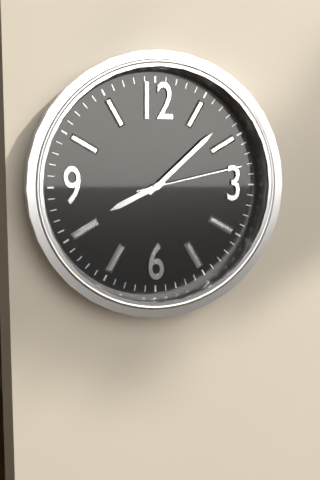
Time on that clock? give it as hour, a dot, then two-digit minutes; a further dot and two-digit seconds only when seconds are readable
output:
8.08.13
